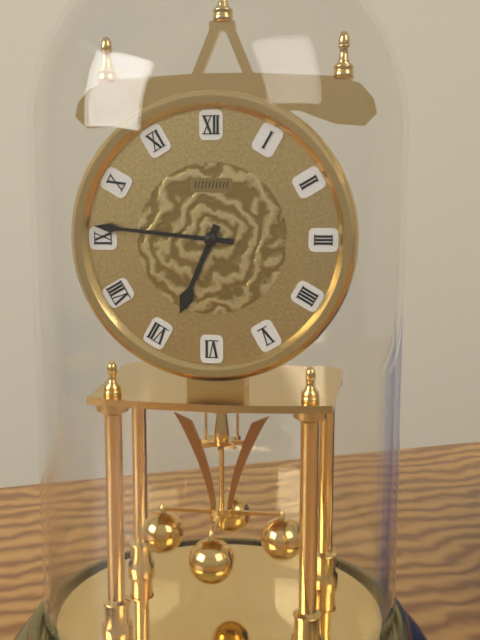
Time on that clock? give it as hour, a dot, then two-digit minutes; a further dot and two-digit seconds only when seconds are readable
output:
6.46
